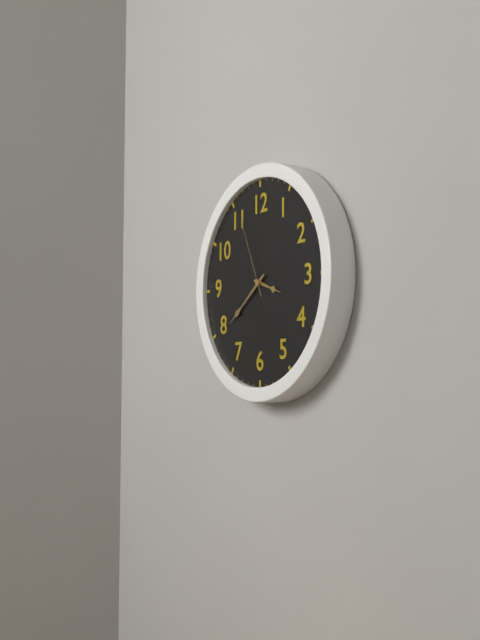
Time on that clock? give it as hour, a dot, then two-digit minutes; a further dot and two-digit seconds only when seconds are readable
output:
3.39.56
